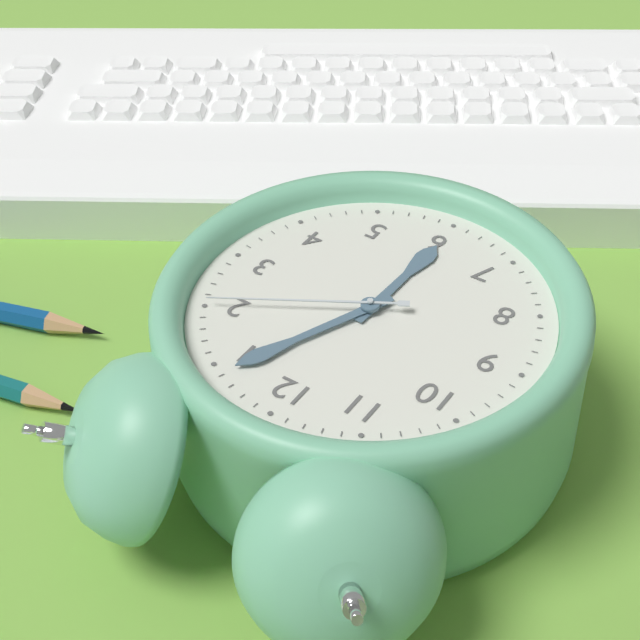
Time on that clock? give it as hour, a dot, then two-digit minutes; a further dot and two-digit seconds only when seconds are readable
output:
6.04.10
